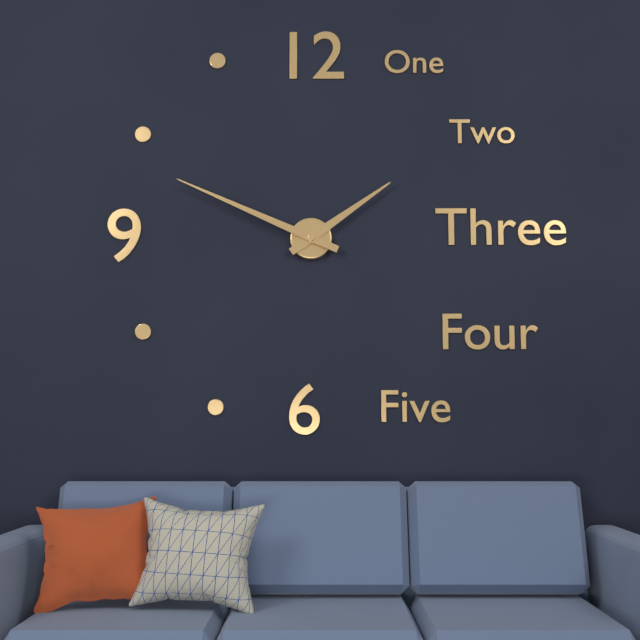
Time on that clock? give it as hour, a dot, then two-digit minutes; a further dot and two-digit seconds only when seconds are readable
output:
1.49
